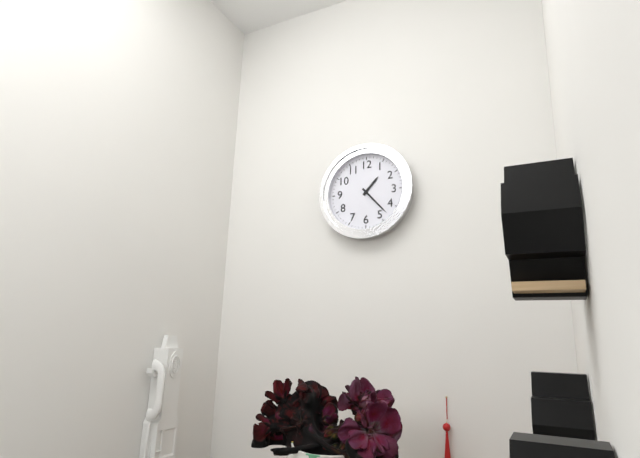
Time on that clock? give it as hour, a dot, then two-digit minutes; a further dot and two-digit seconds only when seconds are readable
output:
1.23
